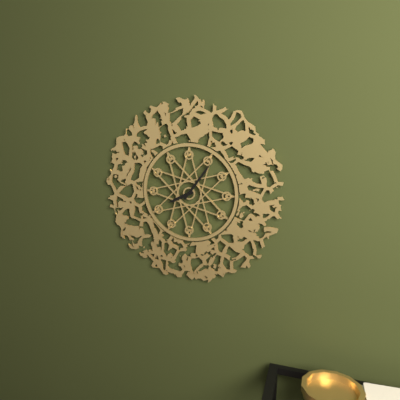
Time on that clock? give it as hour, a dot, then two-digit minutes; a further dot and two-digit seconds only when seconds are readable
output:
8.06
